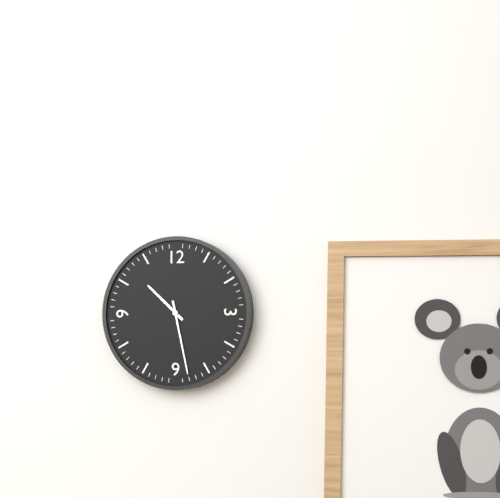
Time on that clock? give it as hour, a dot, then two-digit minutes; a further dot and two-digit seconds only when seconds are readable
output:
10.28
